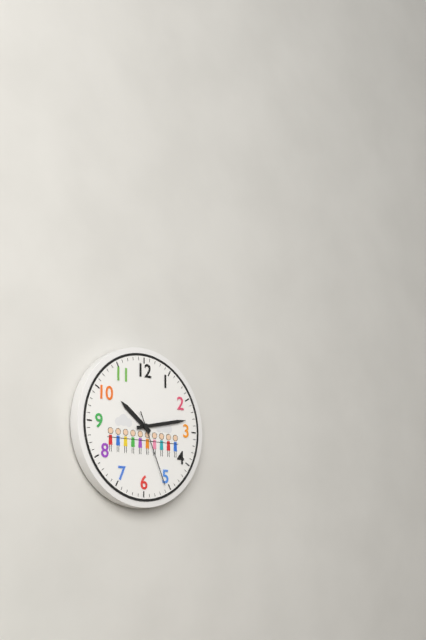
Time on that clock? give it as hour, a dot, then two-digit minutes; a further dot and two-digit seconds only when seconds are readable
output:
10.13.26
